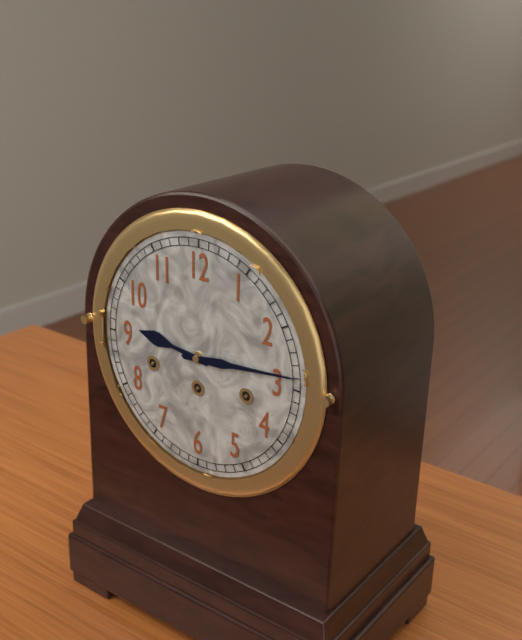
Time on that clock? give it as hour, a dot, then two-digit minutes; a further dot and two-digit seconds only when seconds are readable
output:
9.14
